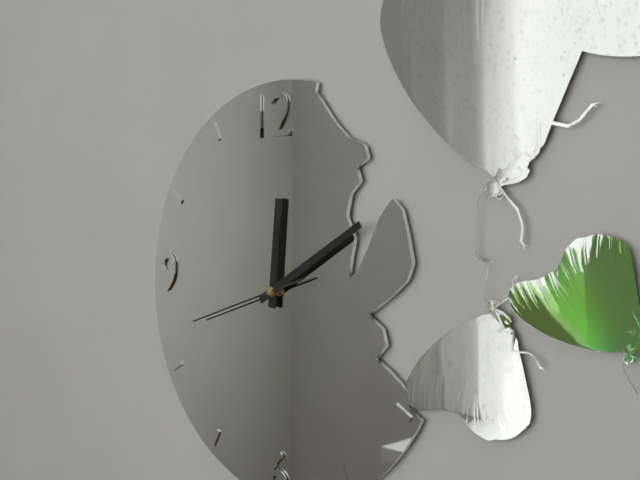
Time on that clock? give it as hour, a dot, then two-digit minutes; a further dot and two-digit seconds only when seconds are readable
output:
12.10.42
